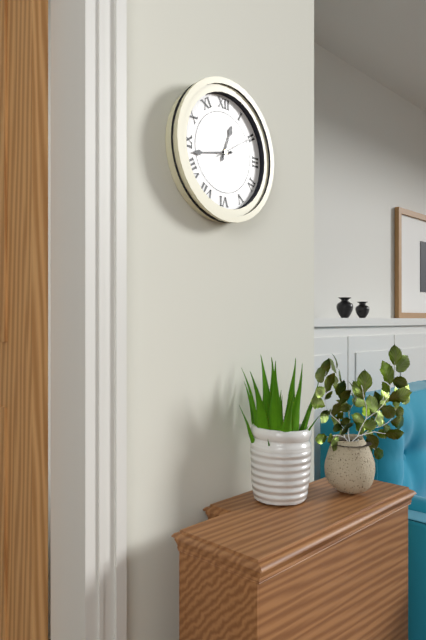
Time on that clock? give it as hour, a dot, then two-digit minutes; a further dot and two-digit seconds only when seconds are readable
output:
12.43
